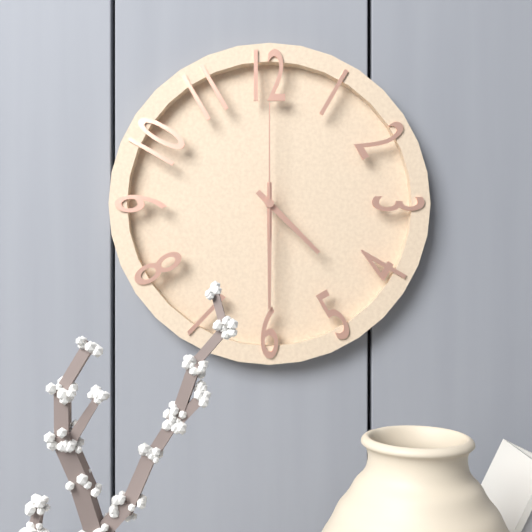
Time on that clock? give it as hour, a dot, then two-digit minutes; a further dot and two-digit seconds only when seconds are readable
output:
4.30.00
